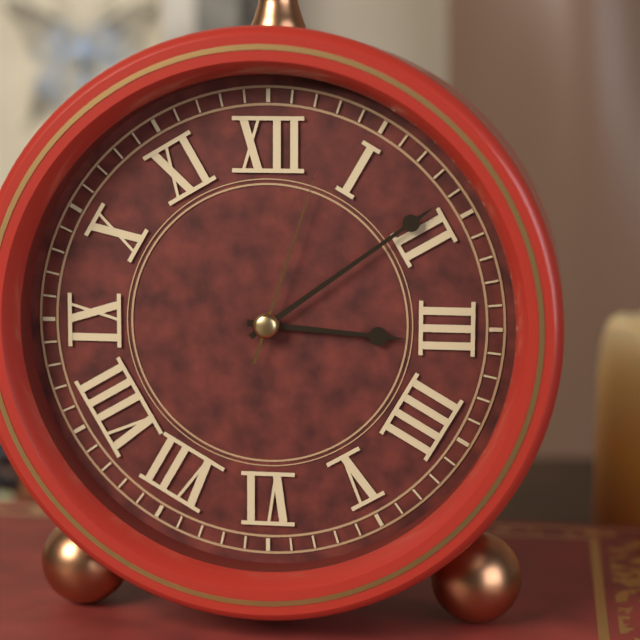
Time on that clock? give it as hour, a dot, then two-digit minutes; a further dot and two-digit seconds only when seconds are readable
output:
3.09.03
